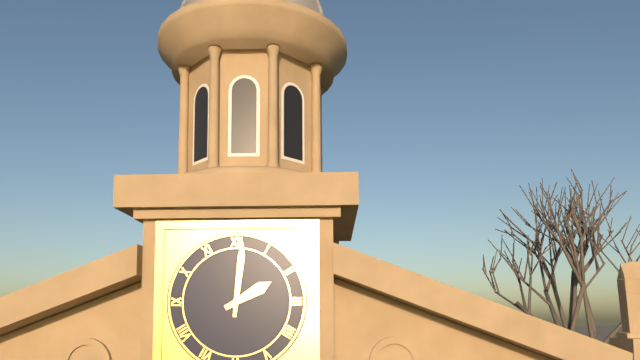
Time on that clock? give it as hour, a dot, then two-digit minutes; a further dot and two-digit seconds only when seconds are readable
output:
2.01
